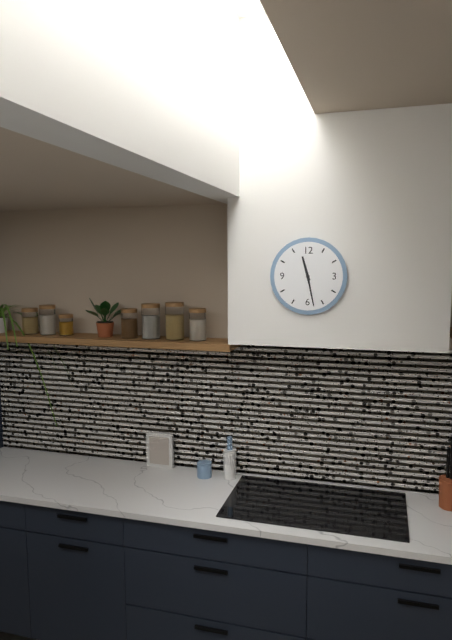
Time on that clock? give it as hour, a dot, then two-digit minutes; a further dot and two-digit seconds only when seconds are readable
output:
11.28
